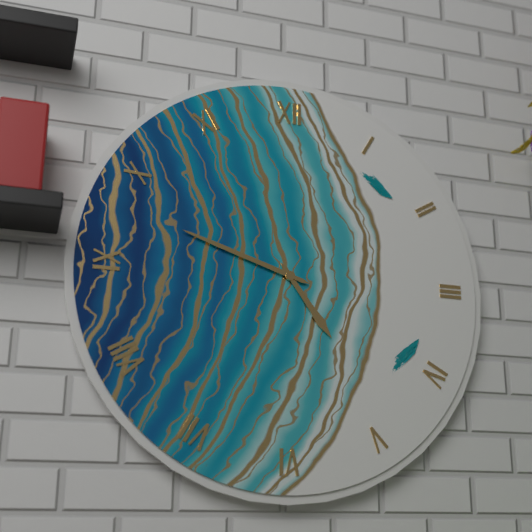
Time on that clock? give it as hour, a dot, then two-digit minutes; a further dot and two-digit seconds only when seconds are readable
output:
4.48
